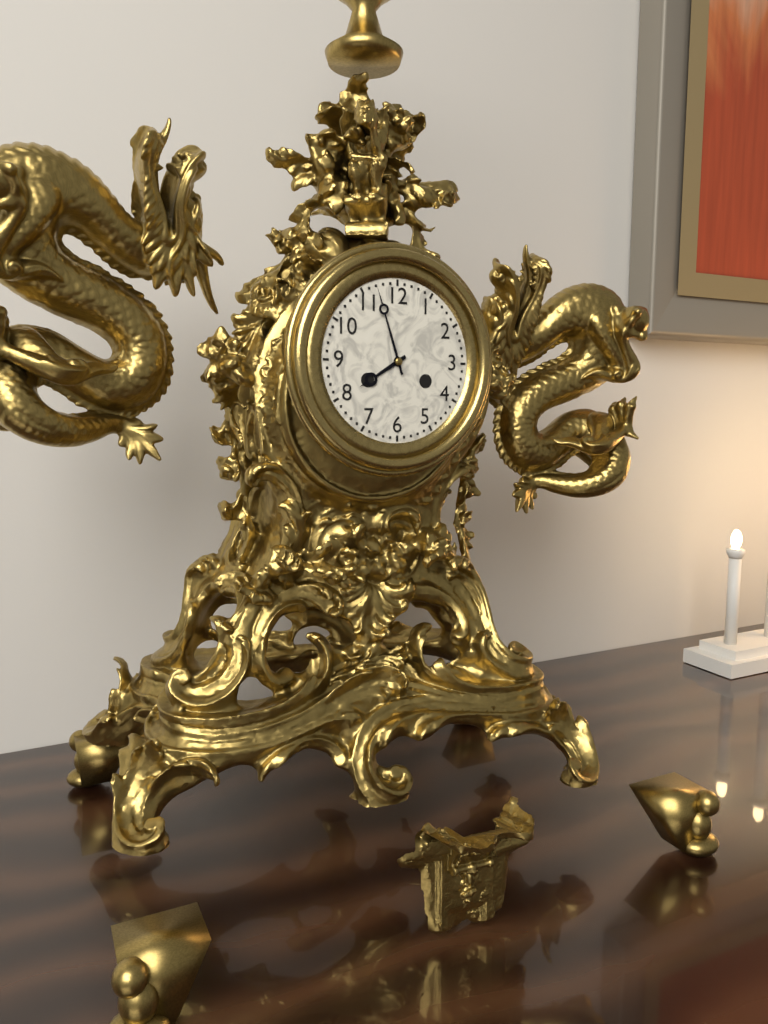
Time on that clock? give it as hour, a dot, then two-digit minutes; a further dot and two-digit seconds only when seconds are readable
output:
7.57
